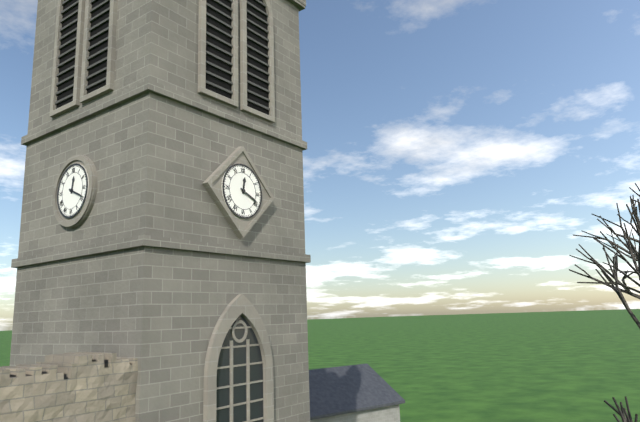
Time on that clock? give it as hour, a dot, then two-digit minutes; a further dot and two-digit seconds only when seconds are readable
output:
12.19
